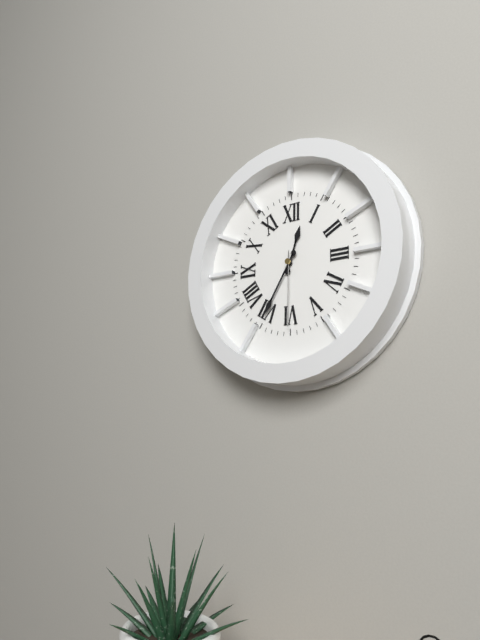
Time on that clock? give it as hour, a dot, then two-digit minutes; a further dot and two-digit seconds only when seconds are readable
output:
12.35.30
